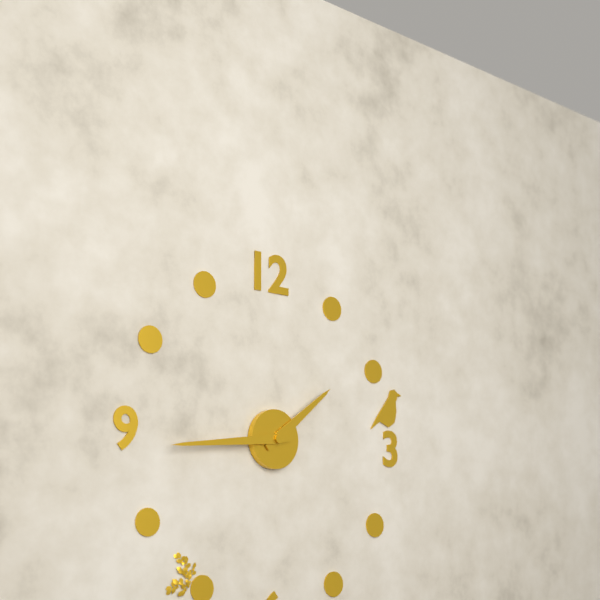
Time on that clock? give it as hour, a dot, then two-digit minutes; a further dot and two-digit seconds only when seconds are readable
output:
1.44
